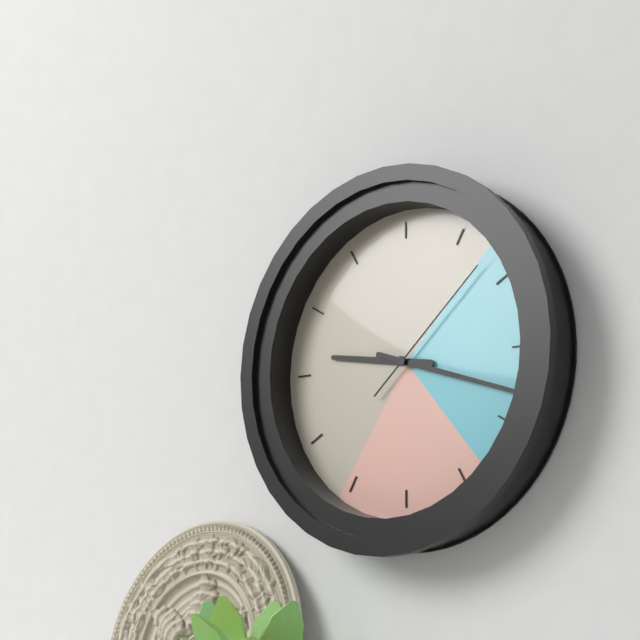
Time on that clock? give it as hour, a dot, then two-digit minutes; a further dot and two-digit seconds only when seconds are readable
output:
9.18.08
